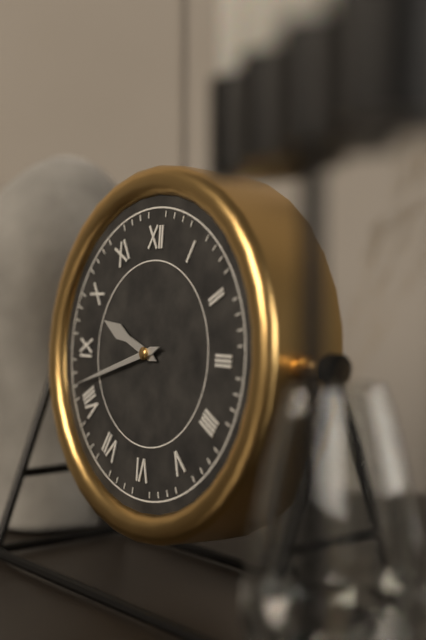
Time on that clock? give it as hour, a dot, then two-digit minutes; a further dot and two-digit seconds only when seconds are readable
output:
9.42
